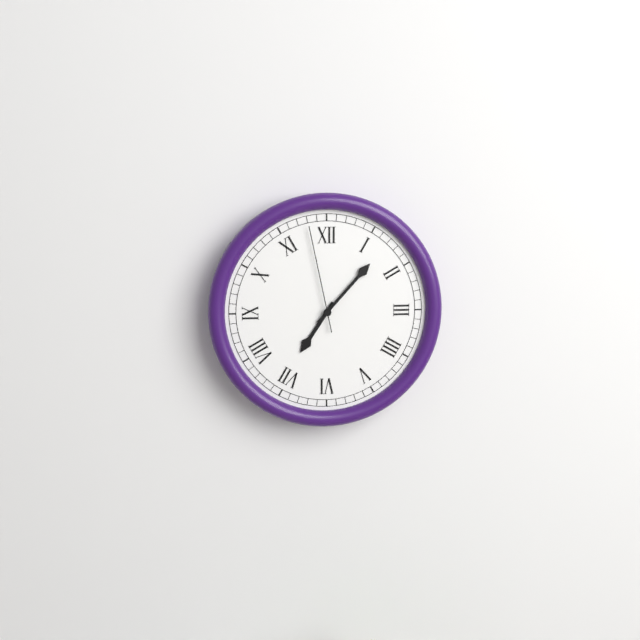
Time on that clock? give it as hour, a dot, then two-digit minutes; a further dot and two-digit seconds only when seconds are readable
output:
7.07.58
